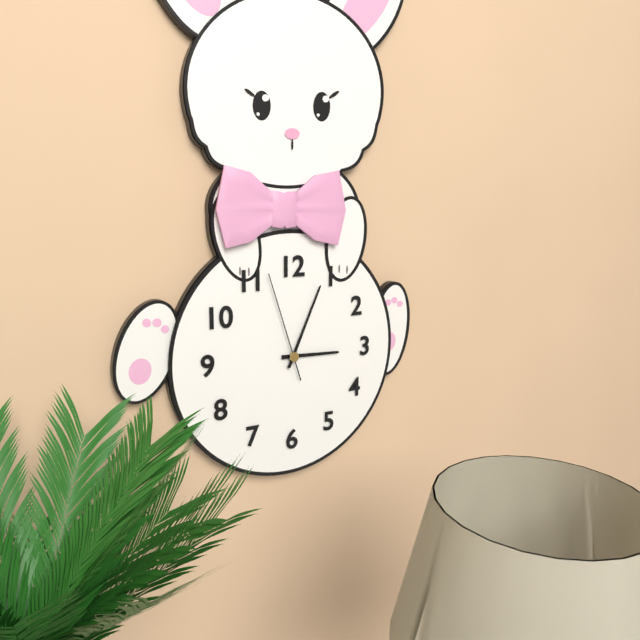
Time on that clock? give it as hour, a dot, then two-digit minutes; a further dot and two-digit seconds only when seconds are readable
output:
3.04.57
